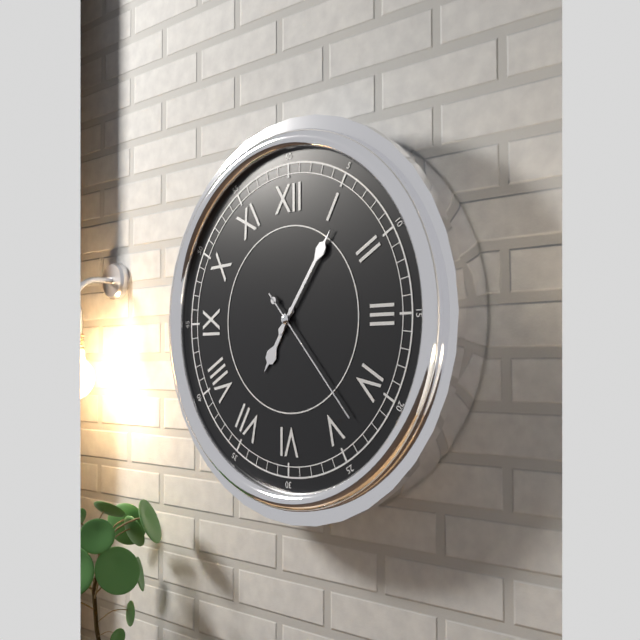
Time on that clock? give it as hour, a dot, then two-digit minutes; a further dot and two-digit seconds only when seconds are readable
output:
7.06.23
